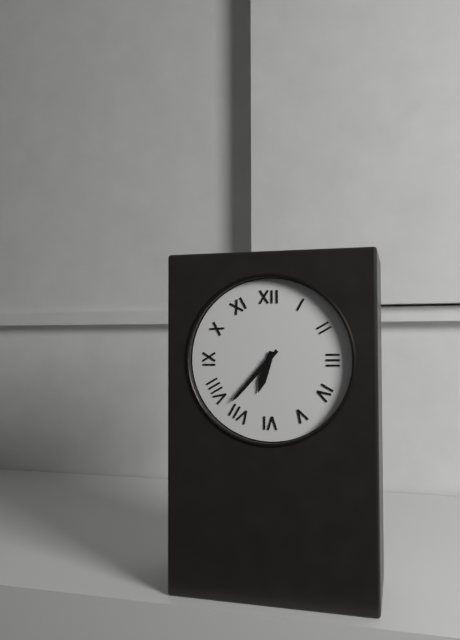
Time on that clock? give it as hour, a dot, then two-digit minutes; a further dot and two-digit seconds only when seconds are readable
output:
6.37
